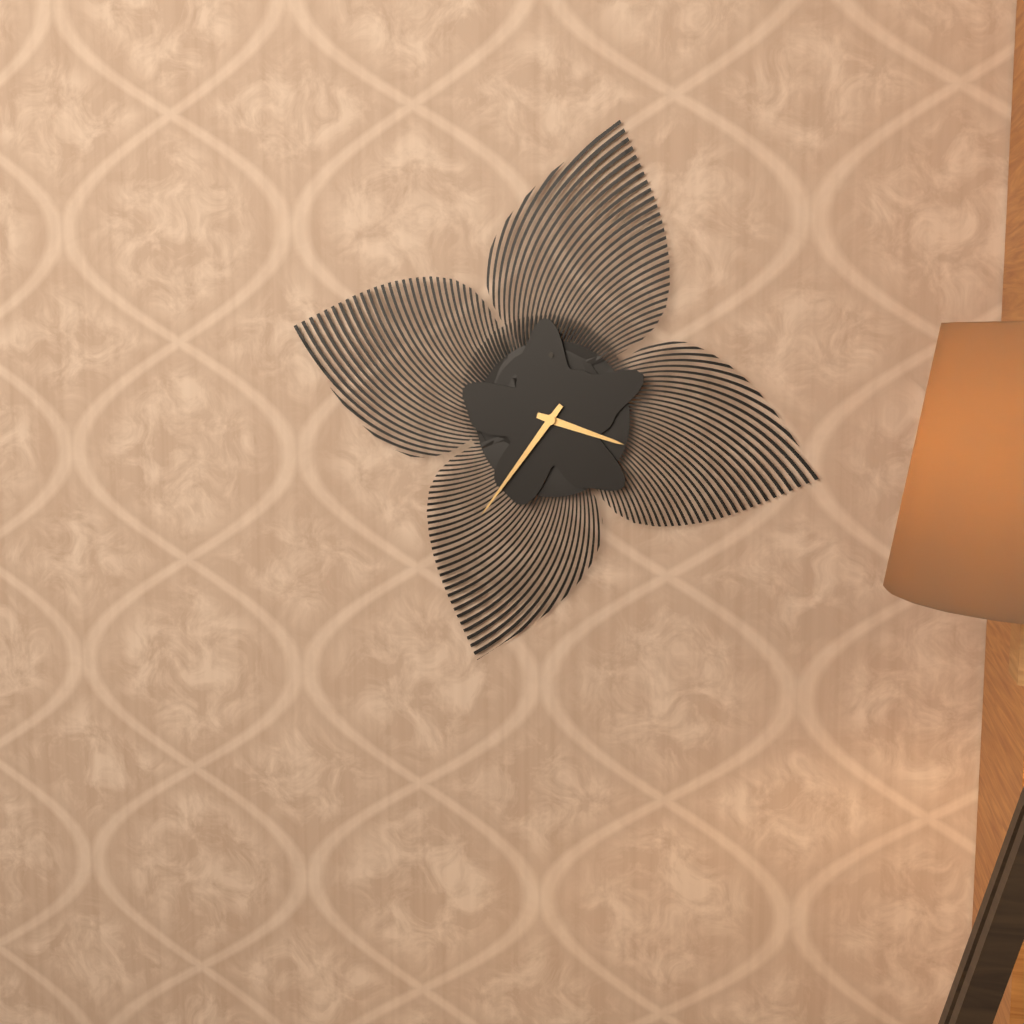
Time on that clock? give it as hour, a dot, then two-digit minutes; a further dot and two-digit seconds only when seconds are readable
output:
3.36
